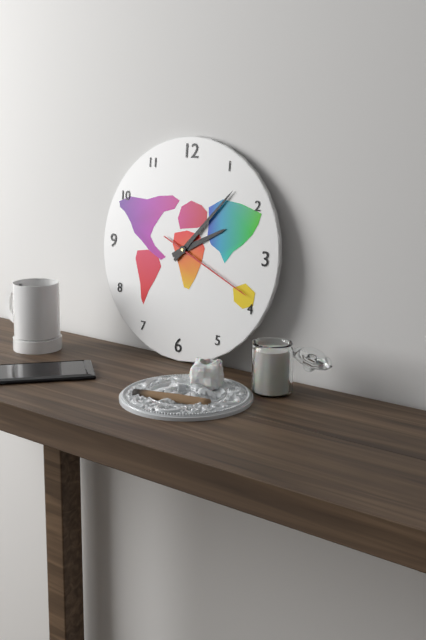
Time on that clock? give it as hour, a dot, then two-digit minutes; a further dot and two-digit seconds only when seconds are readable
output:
2.07.19
